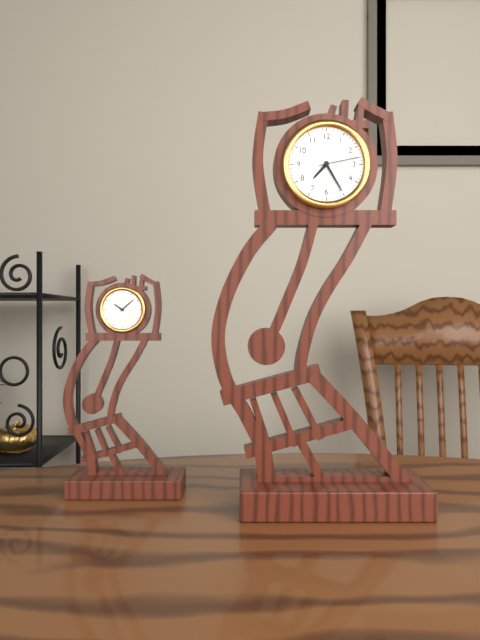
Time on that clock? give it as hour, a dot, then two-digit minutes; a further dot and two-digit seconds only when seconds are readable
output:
7.25
